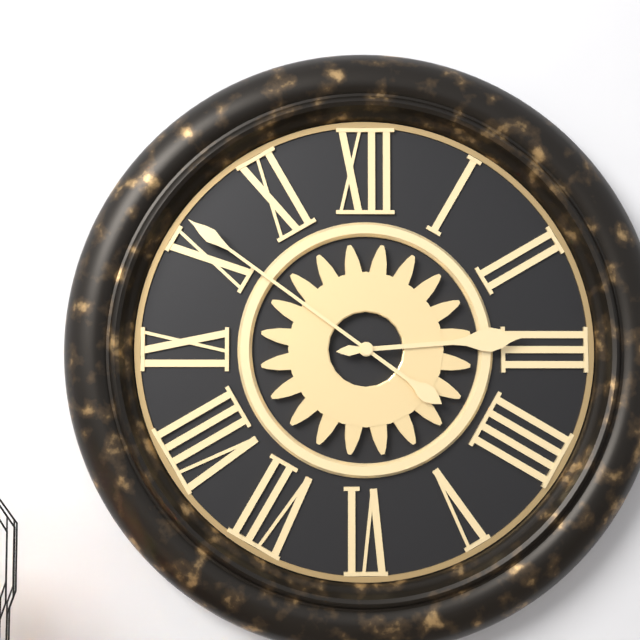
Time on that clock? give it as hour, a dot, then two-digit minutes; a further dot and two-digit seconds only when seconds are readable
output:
2.51
